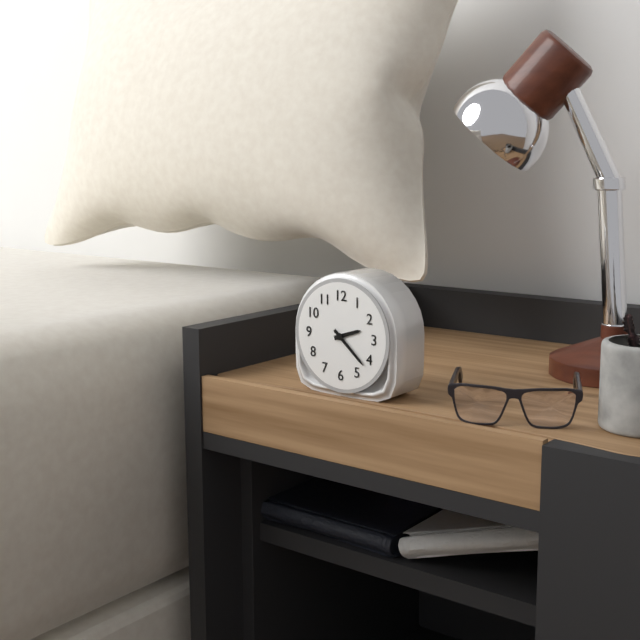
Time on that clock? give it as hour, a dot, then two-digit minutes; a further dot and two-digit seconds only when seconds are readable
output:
2.22
